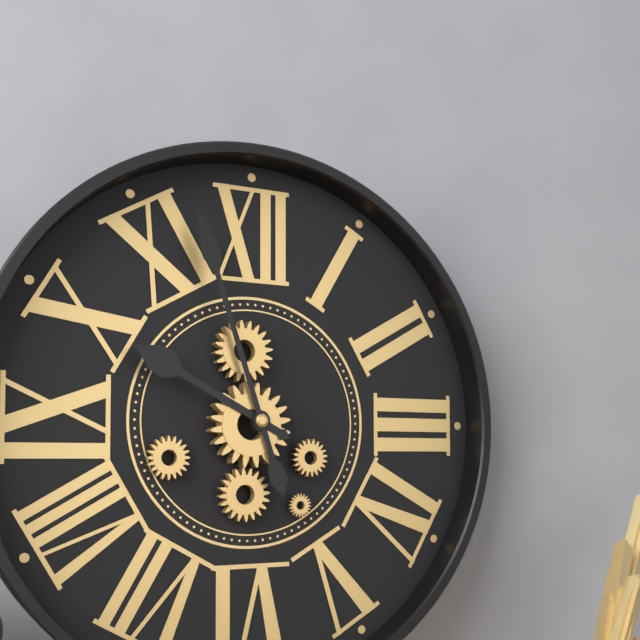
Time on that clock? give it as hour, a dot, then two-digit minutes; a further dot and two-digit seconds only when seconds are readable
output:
9.57
